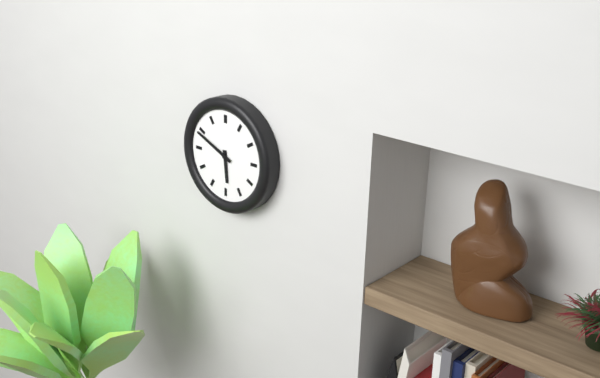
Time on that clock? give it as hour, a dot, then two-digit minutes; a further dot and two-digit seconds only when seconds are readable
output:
5.49
